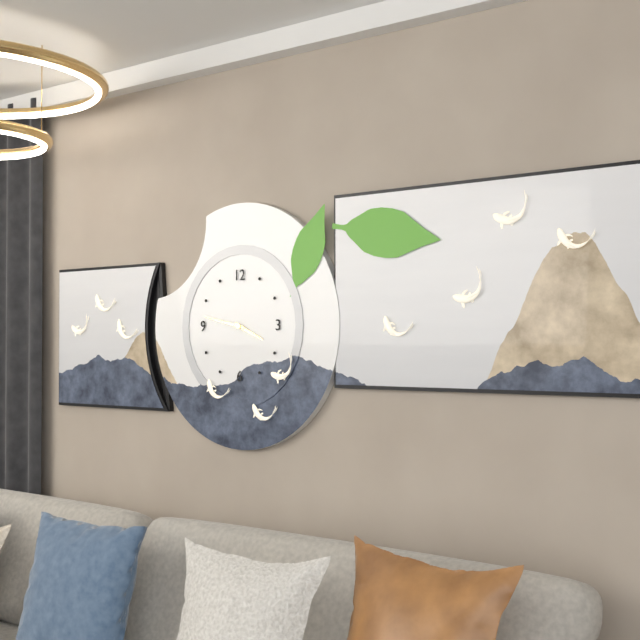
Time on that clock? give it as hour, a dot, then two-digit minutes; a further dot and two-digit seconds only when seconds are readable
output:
3.47
